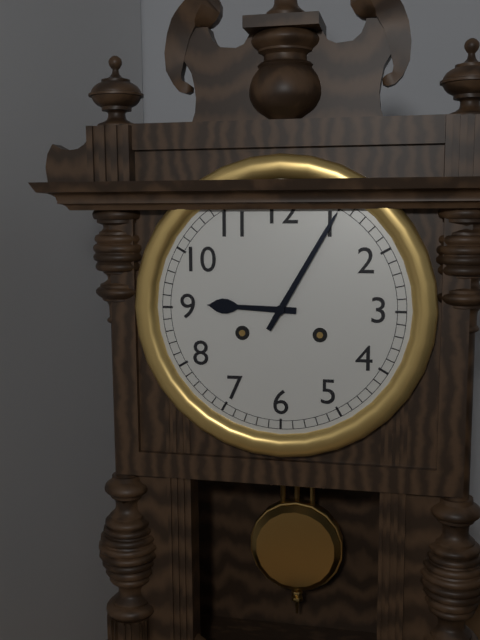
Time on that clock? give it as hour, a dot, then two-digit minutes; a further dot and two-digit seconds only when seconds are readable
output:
9.05
